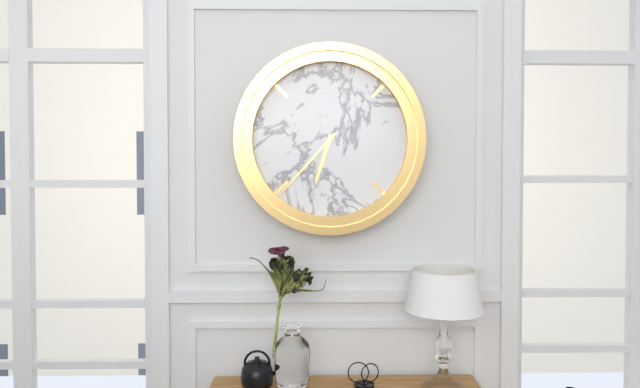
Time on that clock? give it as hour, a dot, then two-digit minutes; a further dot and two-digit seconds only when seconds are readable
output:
6.37
